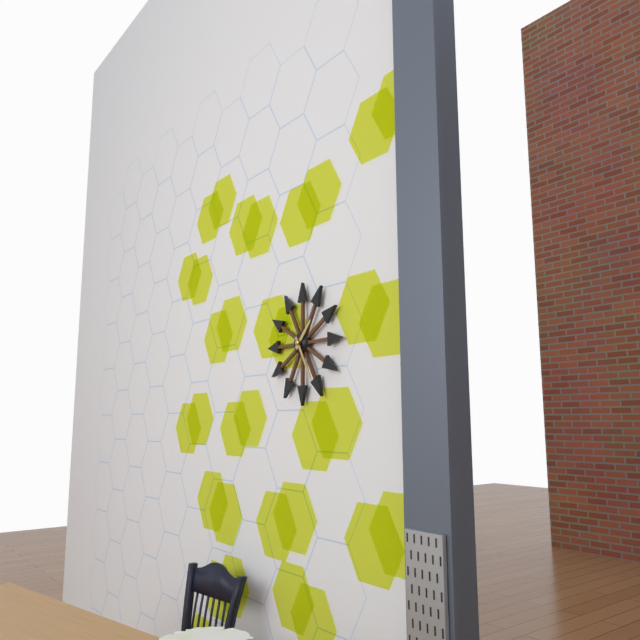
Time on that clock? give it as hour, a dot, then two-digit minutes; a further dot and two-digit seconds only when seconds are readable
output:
1.25
